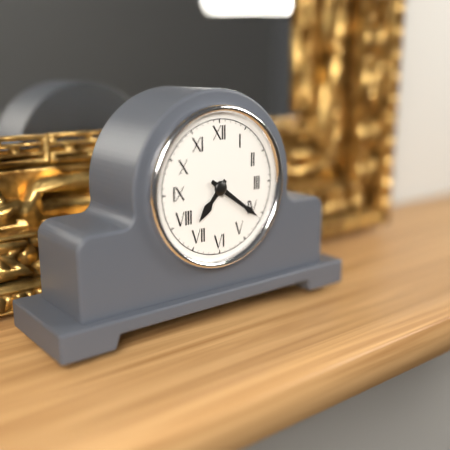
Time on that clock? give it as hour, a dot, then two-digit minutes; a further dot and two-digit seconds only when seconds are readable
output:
7.21
